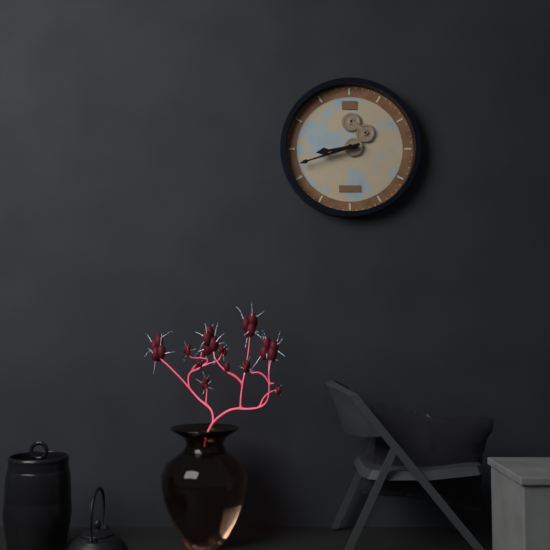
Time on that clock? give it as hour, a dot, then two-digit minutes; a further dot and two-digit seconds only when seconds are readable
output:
8.42
